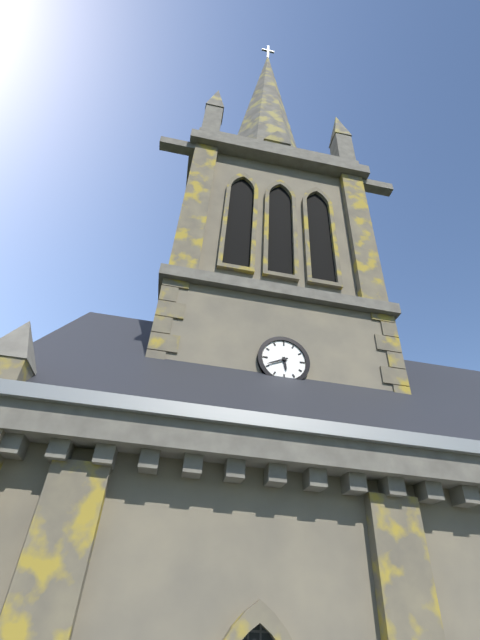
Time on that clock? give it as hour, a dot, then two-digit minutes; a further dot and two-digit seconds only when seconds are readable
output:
5.41
